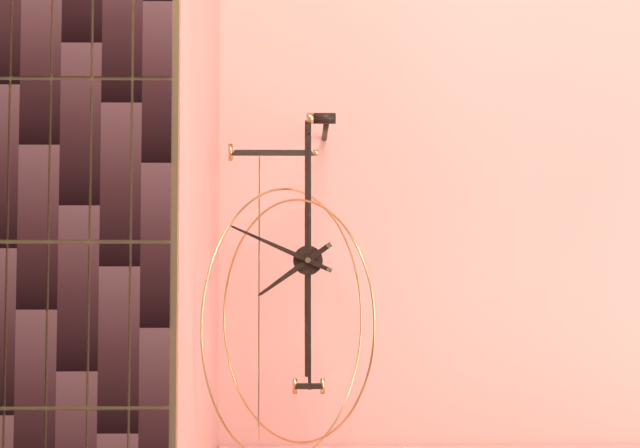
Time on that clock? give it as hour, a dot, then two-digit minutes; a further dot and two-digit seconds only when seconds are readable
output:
7.49
